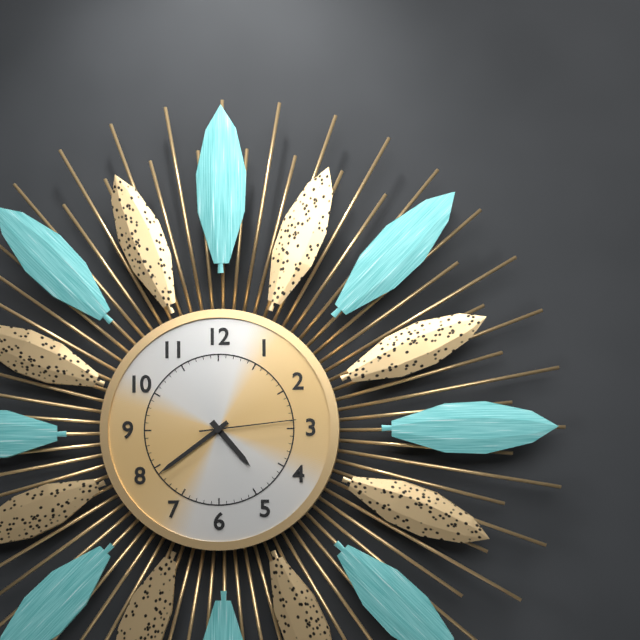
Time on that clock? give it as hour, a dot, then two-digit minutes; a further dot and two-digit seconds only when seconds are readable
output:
4.39.14
